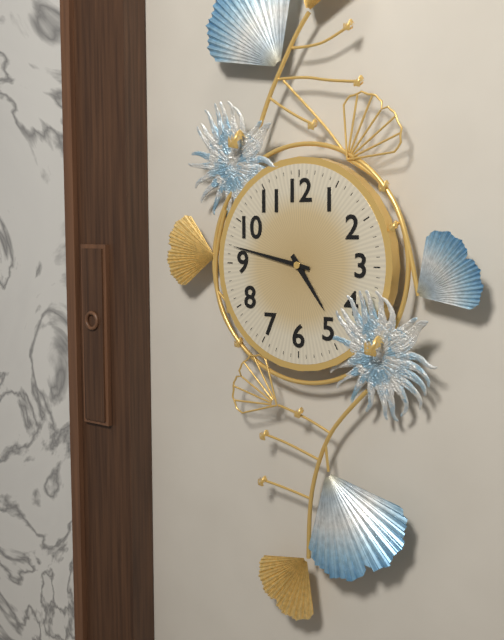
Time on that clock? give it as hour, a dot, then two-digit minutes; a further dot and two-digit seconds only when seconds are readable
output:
4.47
